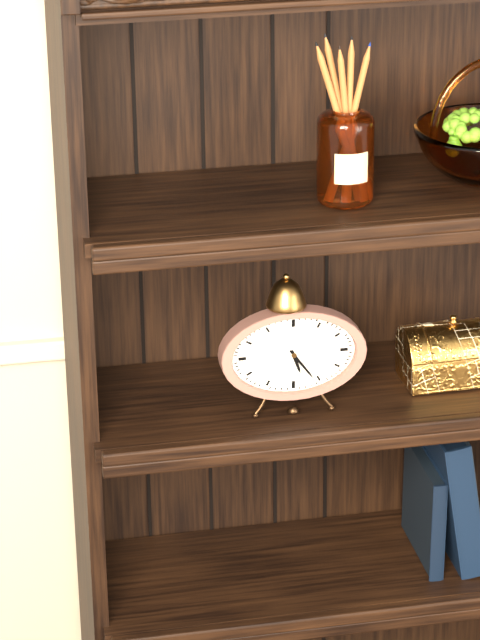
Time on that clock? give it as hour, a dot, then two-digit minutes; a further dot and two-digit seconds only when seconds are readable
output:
5.24
